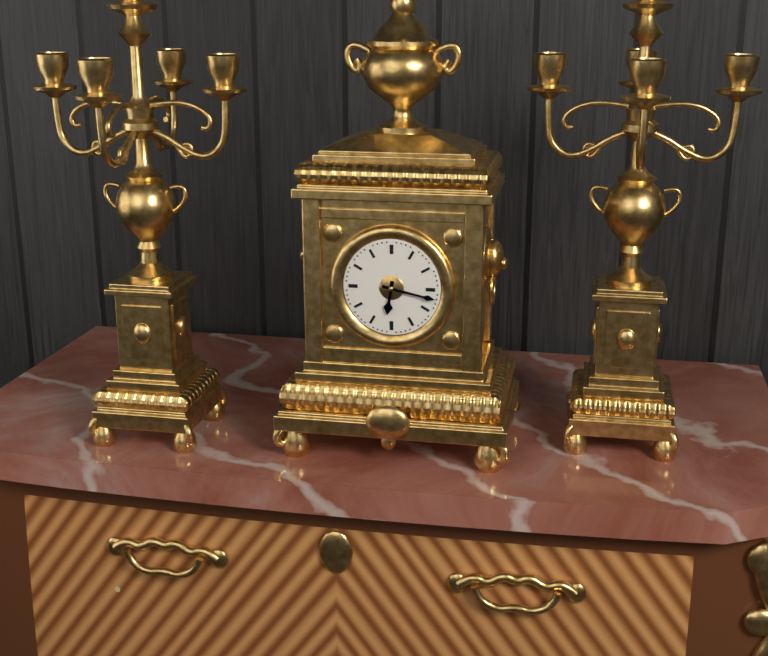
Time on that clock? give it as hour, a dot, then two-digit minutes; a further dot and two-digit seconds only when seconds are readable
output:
6.17
